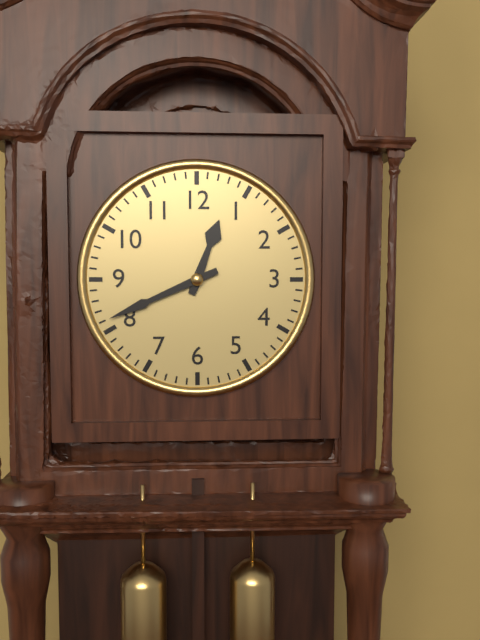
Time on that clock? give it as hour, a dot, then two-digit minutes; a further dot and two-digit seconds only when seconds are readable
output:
12.41
